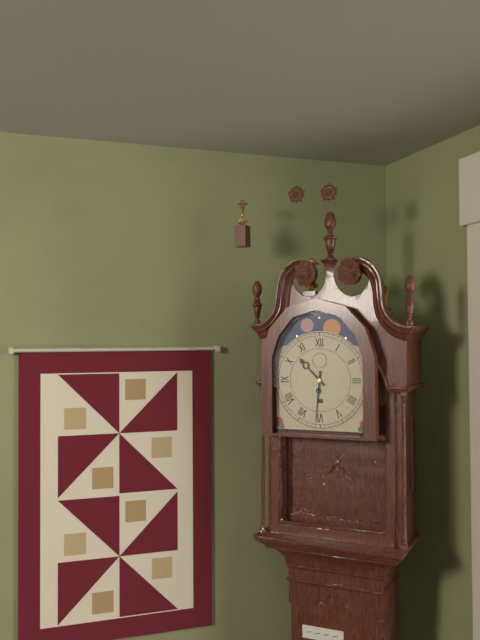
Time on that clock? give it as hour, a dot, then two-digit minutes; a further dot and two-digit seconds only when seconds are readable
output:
10.31
